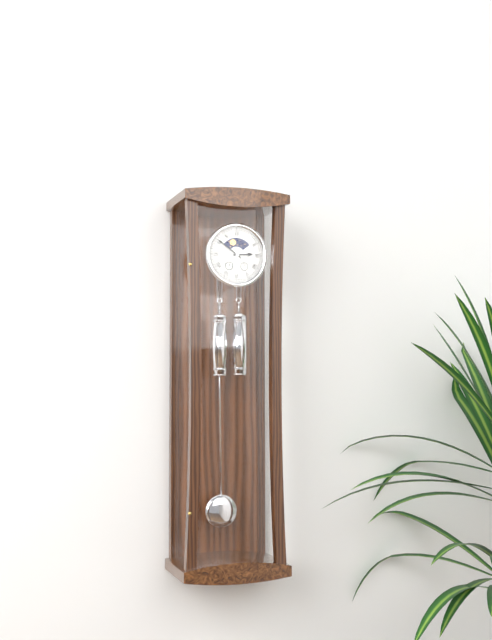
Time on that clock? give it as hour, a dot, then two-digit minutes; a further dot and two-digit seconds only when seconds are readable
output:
2.51
